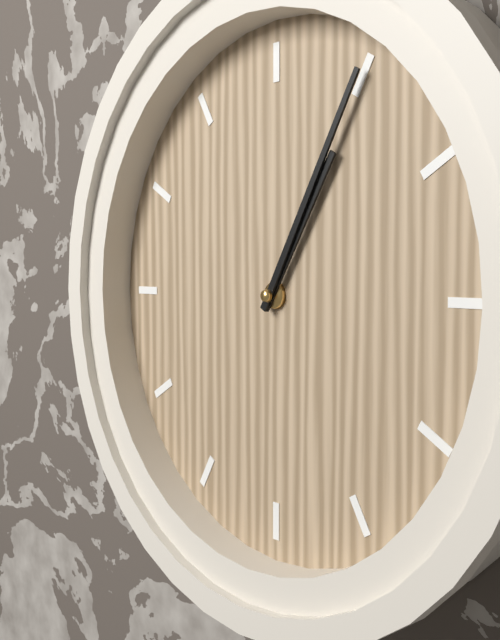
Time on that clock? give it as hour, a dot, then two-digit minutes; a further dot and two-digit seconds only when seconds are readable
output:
1.05
